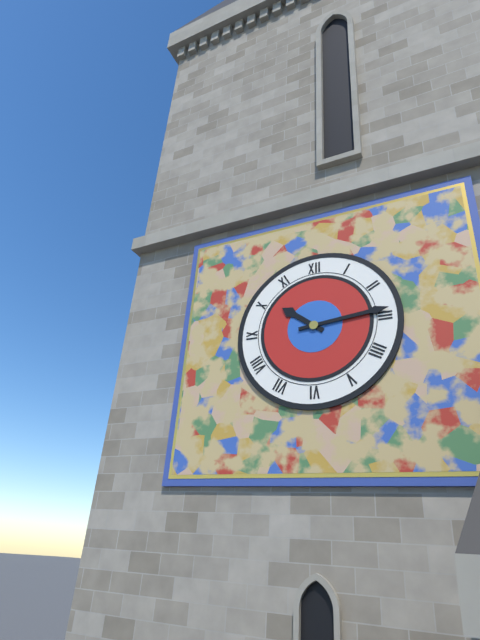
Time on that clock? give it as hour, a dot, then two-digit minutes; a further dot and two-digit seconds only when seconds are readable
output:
10.14
